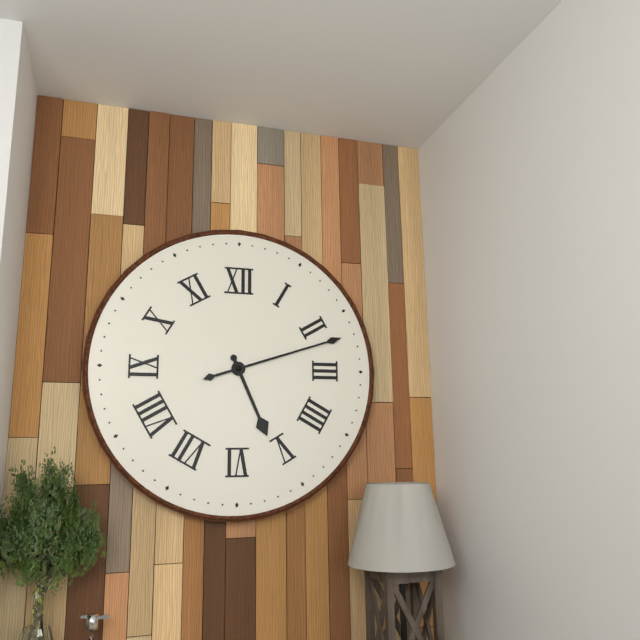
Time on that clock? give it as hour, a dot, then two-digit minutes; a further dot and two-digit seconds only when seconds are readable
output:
5.12
